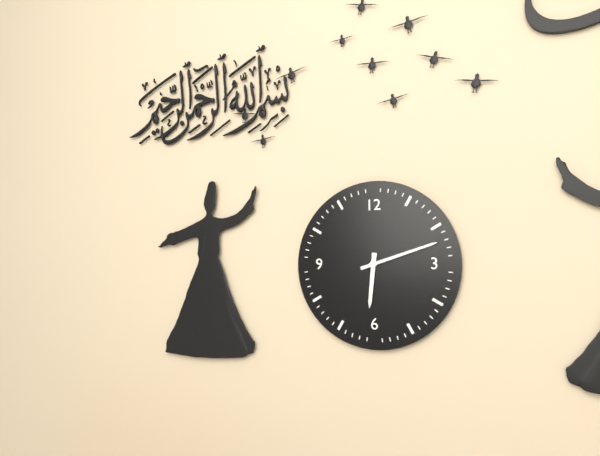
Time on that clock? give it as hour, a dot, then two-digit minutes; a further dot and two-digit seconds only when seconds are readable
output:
6.12
